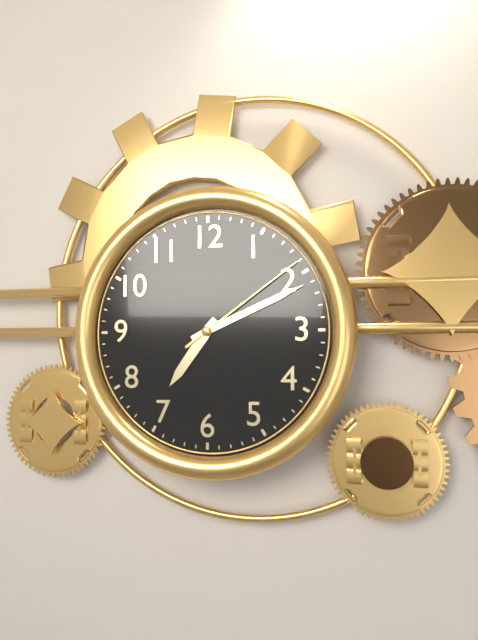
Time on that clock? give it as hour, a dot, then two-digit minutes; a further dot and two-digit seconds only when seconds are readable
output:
7.11.09
